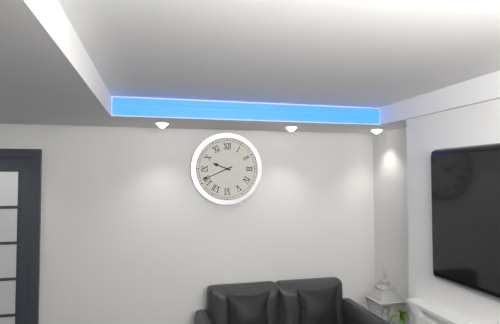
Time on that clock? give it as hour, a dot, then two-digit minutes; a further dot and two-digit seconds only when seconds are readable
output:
9.41
